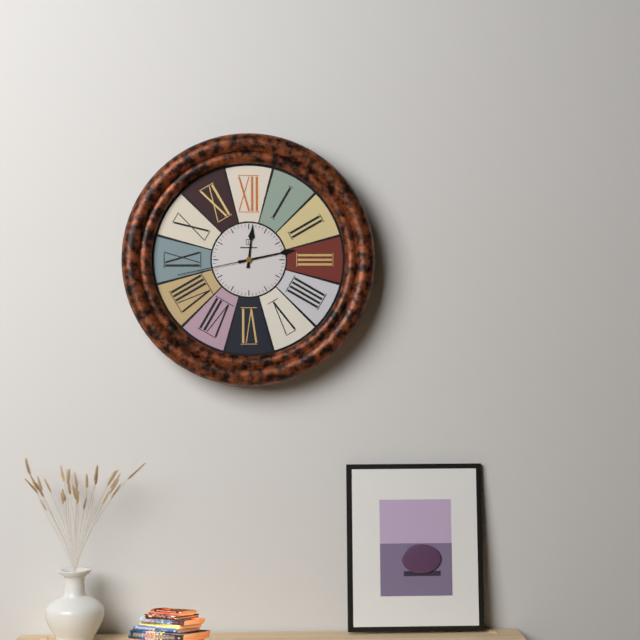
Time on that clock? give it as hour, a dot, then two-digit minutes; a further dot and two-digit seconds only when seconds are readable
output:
12.13.43
